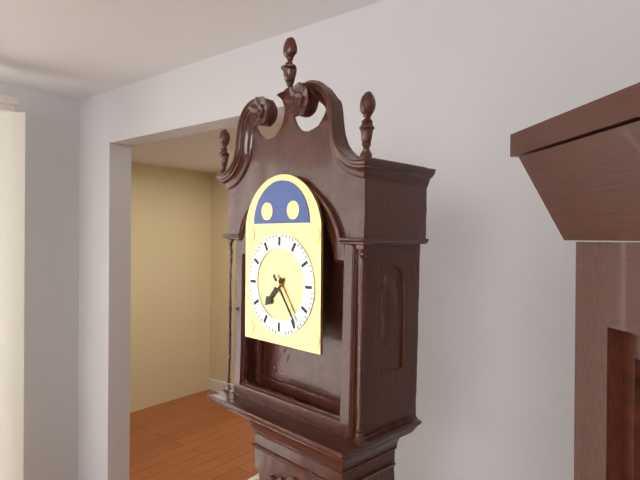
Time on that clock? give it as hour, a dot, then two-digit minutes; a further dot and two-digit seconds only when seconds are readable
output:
7.24
